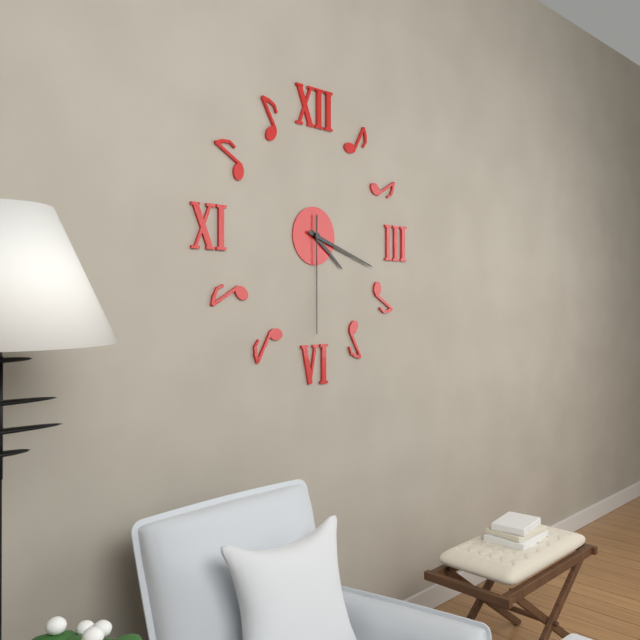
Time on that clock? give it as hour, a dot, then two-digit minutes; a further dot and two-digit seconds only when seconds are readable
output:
4.18.30
